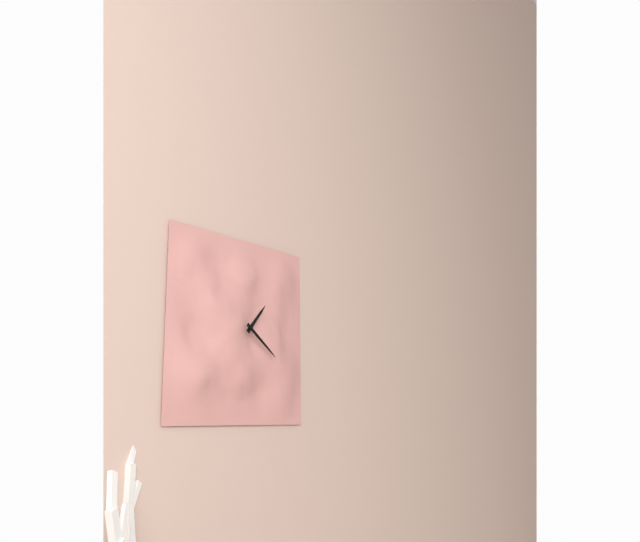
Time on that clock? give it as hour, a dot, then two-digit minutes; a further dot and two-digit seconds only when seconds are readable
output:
1.21
